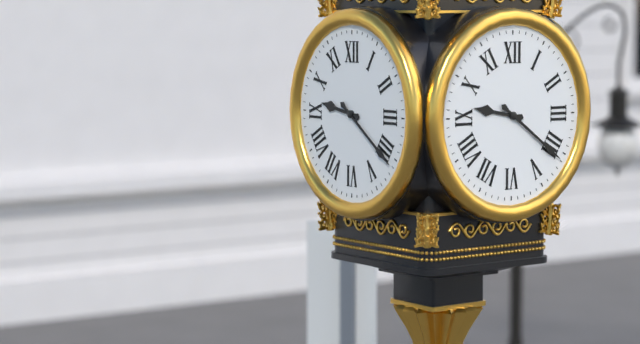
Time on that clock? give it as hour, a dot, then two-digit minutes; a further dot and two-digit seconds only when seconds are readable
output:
9.21
